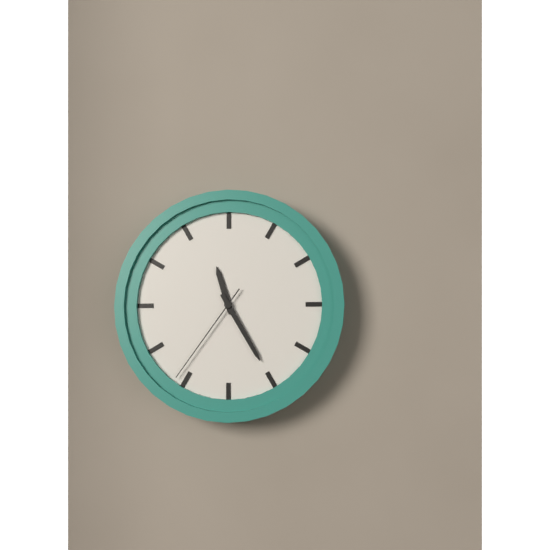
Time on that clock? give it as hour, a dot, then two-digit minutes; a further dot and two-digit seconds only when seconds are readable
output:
11.25.36
